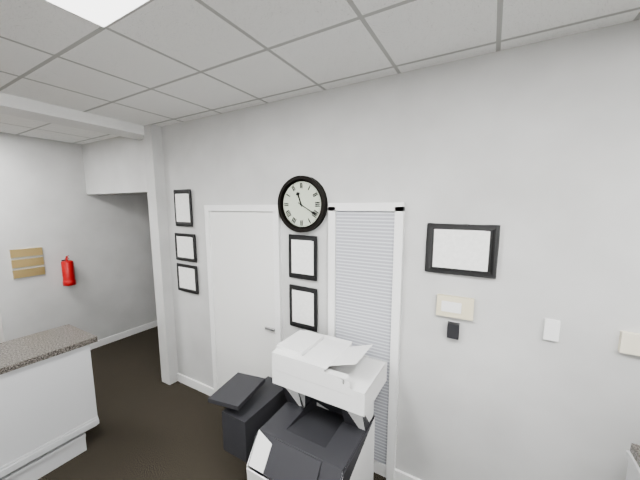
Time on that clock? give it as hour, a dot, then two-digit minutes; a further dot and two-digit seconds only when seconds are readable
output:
11.20
